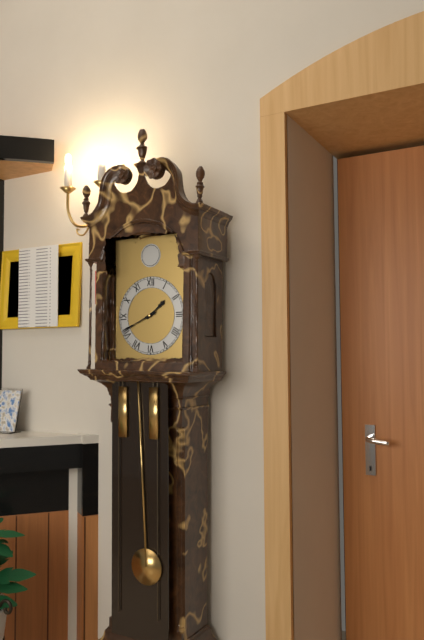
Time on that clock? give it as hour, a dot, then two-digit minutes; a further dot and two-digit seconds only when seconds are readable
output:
1.41
